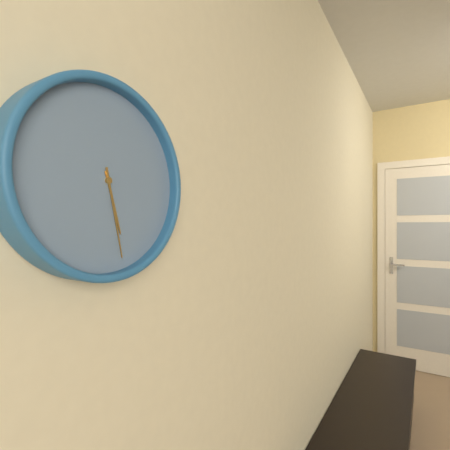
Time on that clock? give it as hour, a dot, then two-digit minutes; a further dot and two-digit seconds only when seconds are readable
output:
5.28
